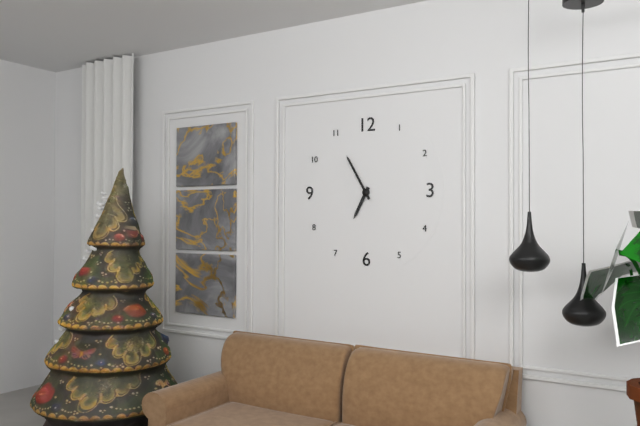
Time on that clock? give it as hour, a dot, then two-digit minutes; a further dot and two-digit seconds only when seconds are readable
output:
6.55
